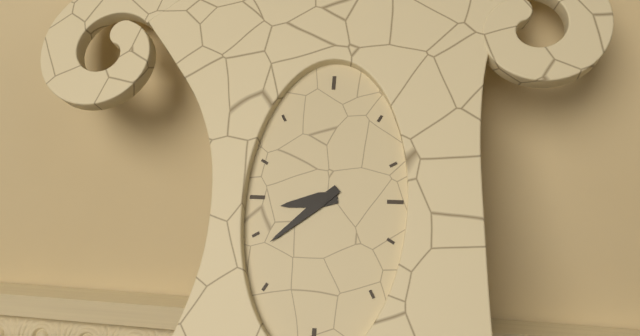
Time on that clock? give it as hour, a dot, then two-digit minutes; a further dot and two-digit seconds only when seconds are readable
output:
8.38
